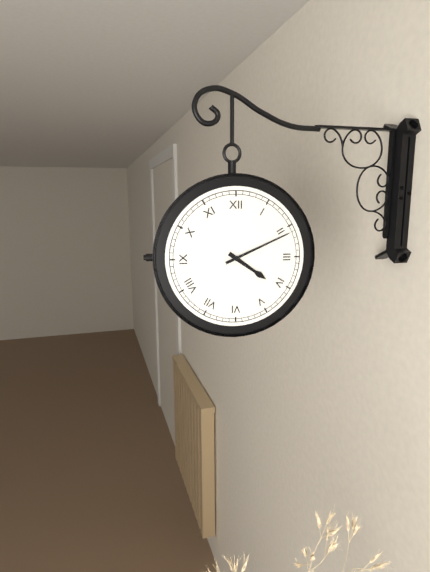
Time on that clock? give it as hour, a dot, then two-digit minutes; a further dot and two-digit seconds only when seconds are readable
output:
4.11
